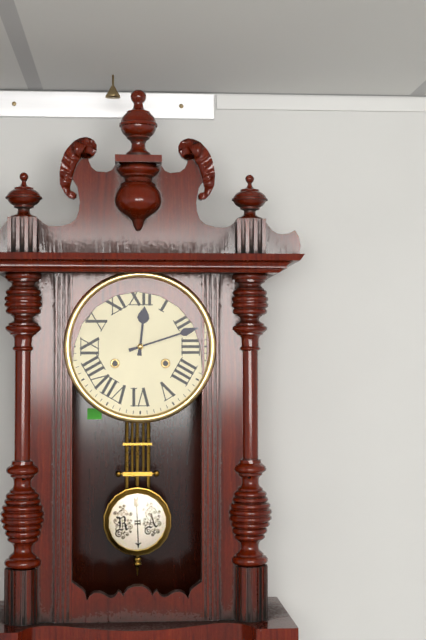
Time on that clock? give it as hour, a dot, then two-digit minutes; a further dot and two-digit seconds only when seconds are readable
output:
12.12
